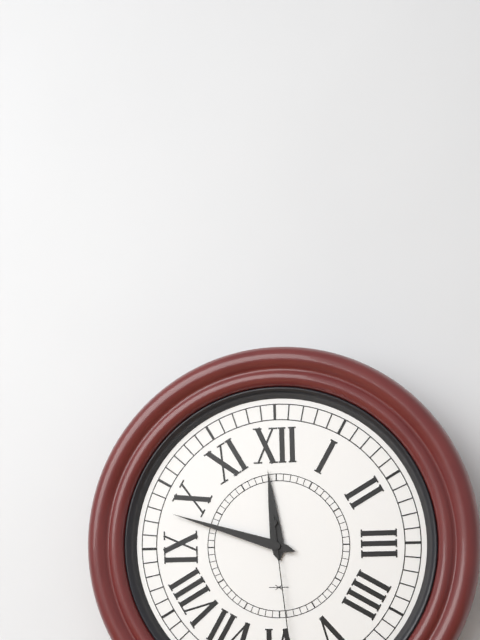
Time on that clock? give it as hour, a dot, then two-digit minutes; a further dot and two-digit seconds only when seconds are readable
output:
11.48
